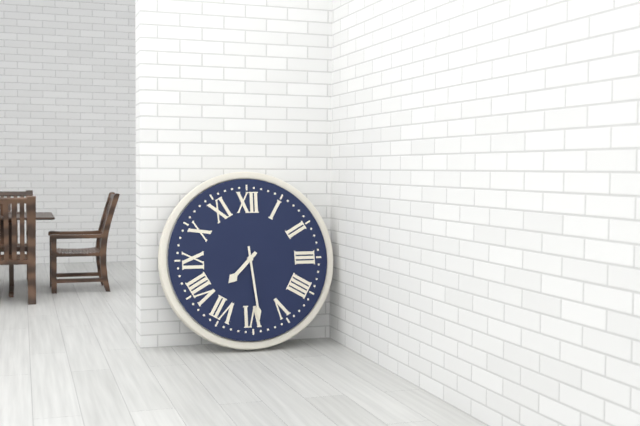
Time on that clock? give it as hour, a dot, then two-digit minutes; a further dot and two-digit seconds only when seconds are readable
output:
7.29
